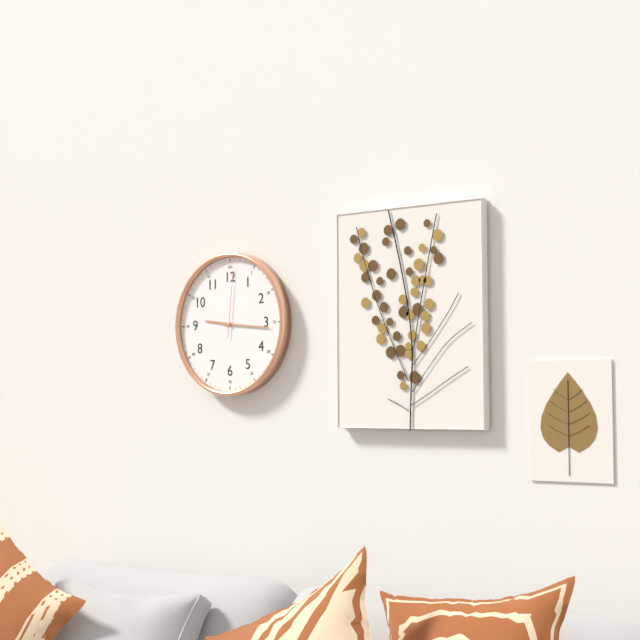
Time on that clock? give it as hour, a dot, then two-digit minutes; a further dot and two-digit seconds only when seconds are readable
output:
9.16.01
